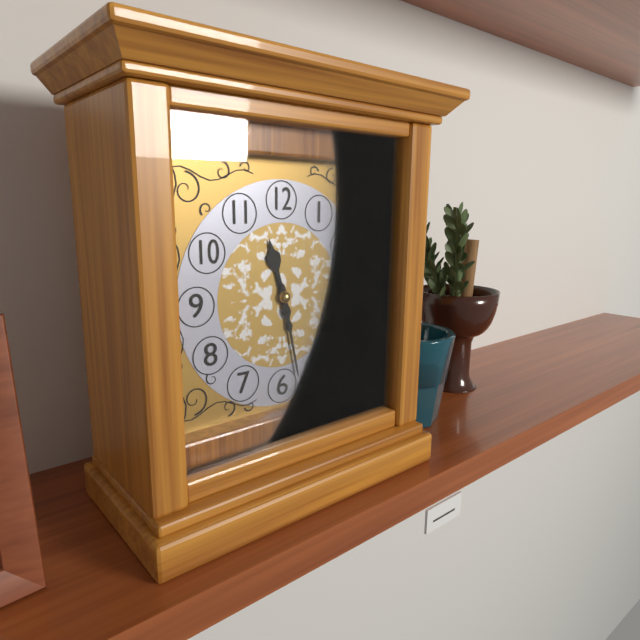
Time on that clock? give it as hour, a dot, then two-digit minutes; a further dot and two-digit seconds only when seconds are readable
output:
11.28
